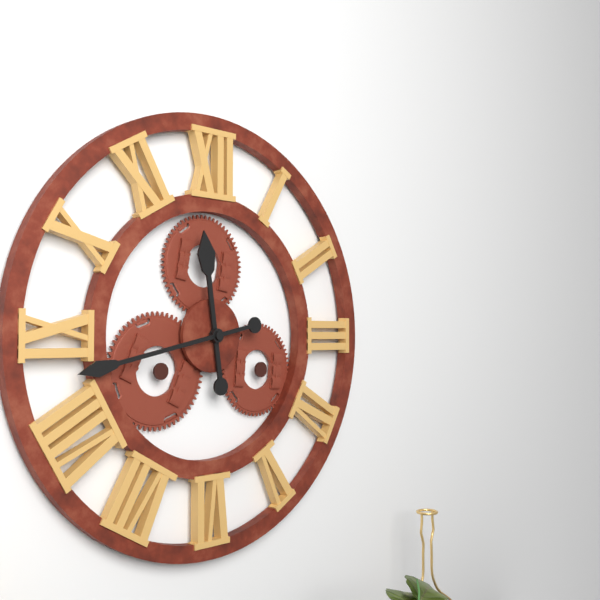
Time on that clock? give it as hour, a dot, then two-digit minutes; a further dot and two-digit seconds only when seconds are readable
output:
11.43
